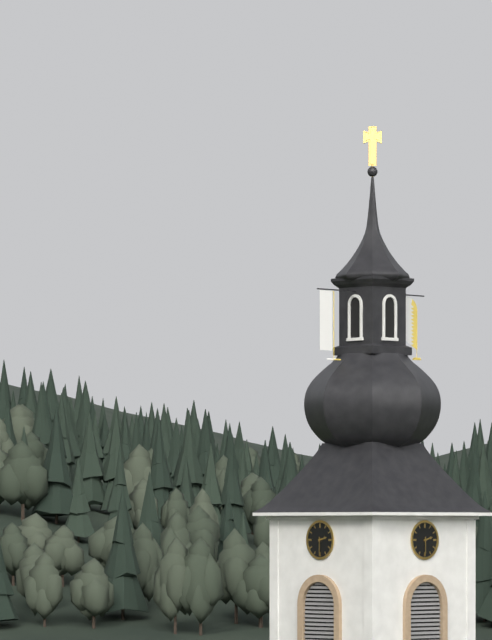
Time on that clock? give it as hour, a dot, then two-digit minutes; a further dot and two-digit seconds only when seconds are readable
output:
2.30
